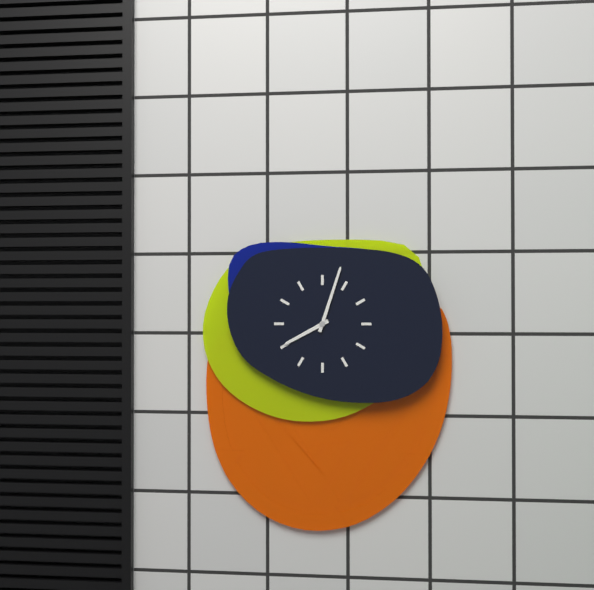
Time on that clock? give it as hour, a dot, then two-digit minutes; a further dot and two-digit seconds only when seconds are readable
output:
8.03
